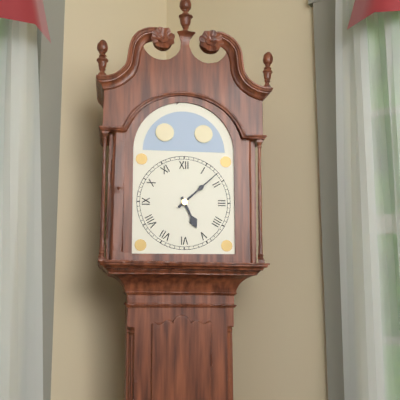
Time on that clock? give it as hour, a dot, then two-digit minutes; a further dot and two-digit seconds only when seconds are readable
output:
5.08
